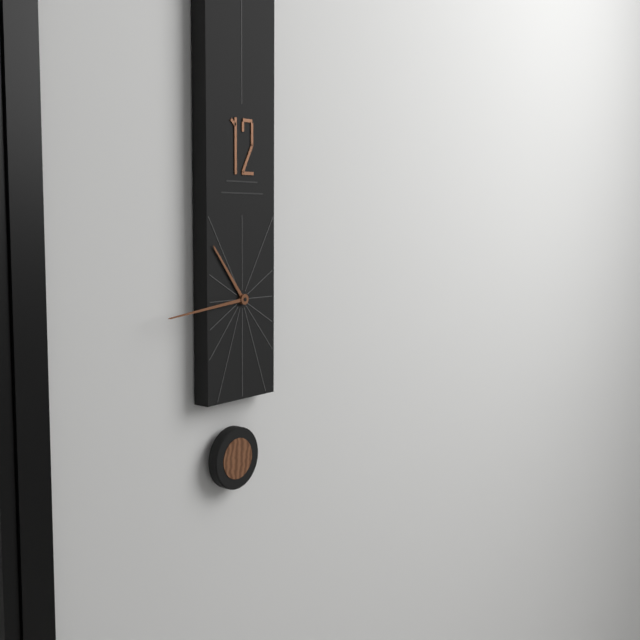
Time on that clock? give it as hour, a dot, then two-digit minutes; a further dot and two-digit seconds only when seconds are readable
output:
10.44
